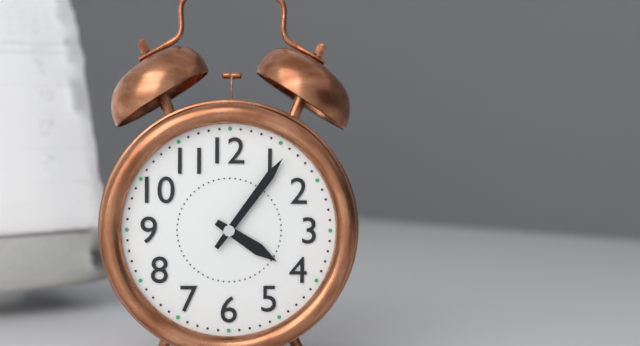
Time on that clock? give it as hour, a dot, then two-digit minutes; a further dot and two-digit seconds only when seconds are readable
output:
4.06
